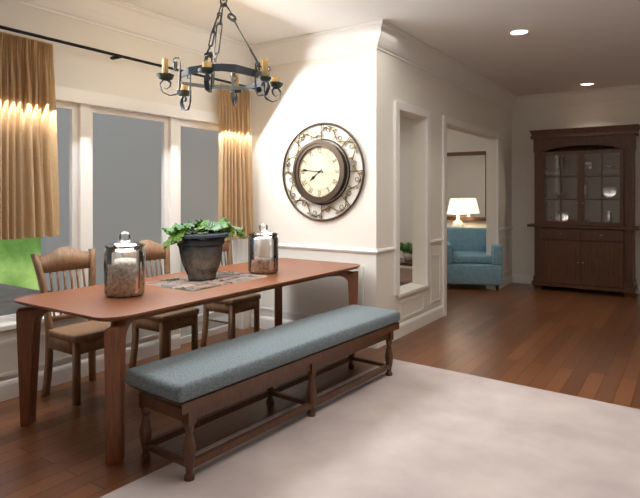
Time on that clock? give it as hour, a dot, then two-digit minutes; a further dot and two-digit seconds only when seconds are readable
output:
7.46
